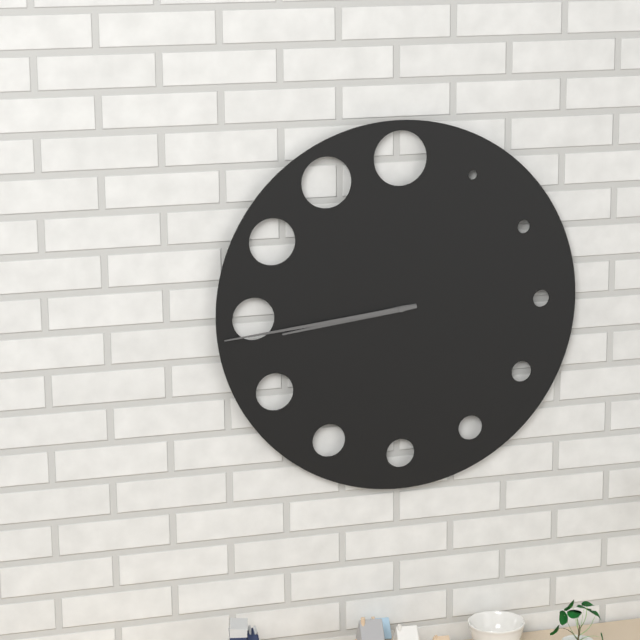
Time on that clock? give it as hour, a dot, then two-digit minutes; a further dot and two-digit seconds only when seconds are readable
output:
8.44
